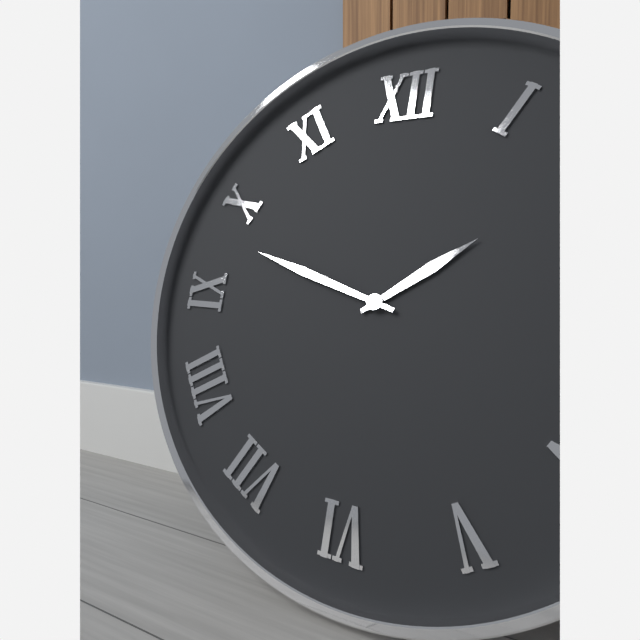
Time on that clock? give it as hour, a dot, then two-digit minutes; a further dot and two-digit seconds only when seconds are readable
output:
1.48
